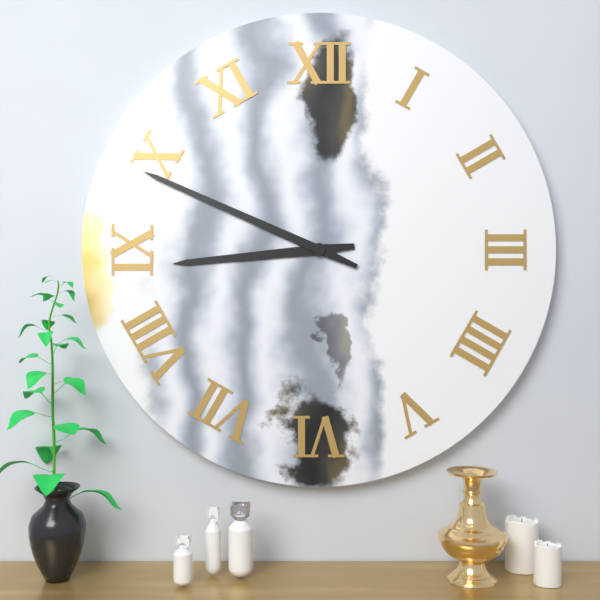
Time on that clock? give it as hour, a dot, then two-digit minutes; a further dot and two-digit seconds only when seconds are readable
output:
8.49
